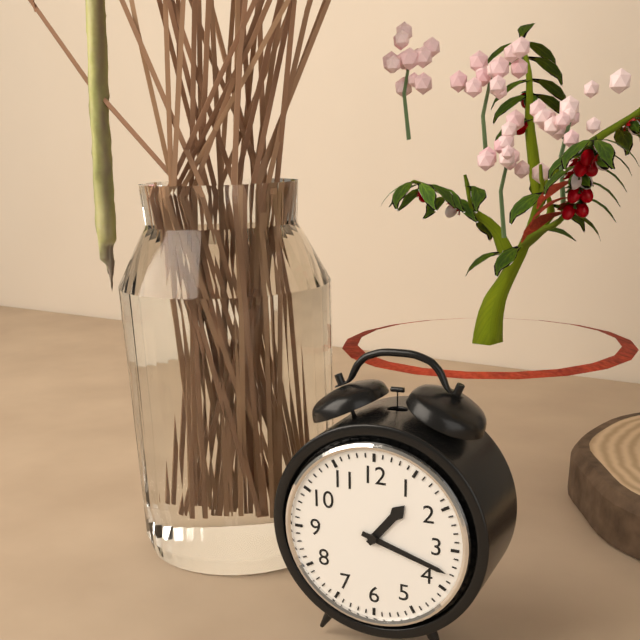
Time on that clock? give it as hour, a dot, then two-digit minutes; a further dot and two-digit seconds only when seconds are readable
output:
1.18
